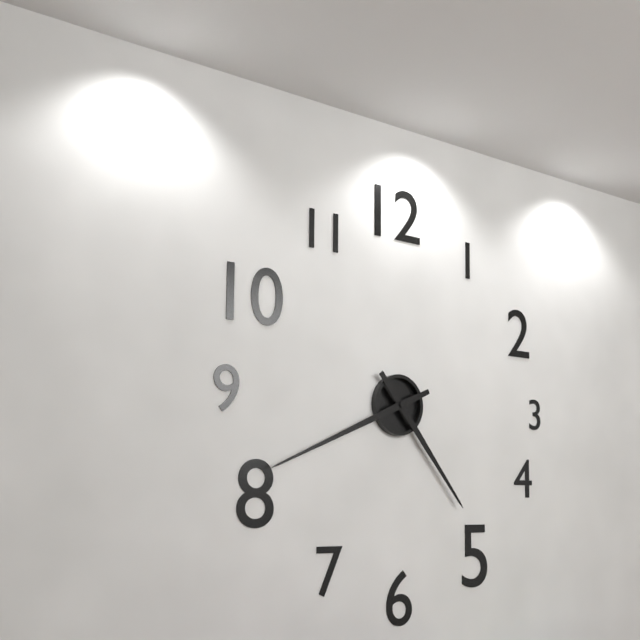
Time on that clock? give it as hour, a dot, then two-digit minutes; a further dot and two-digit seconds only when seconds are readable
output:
4.41
